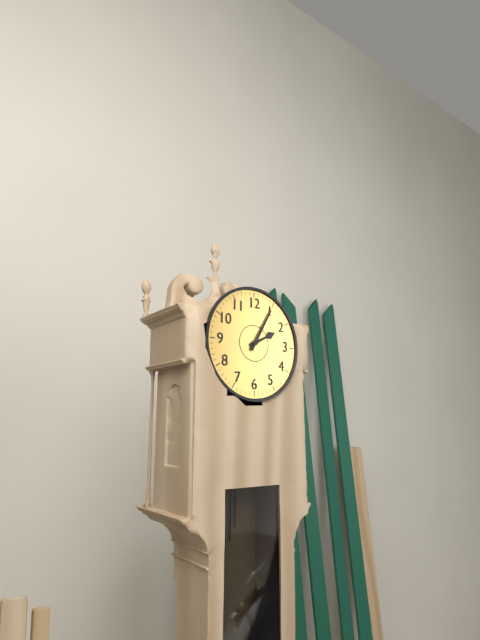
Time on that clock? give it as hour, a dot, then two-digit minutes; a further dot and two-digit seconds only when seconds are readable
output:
2.05
